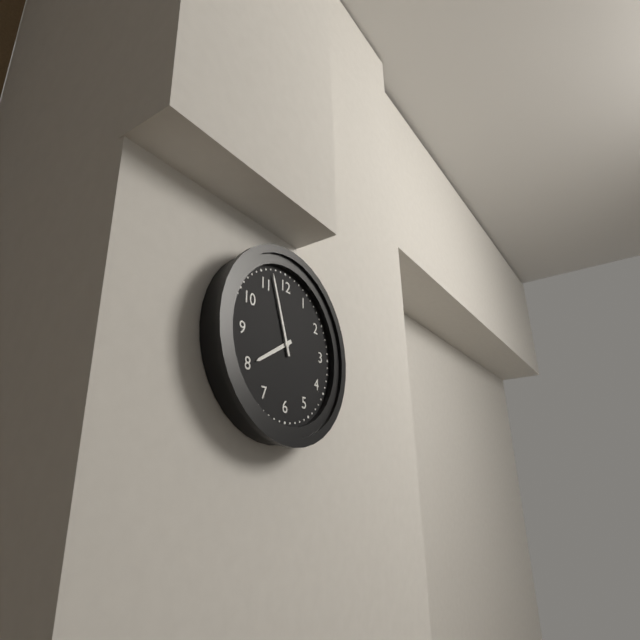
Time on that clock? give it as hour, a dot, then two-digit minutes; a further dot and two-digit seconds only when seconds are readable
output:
7.57
